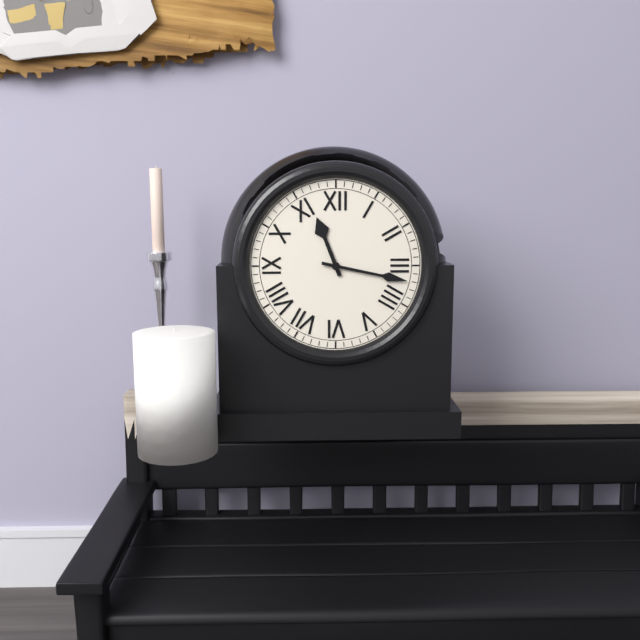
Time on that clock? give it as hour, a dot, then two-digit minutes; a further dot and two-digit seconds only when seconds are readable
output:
11.17
